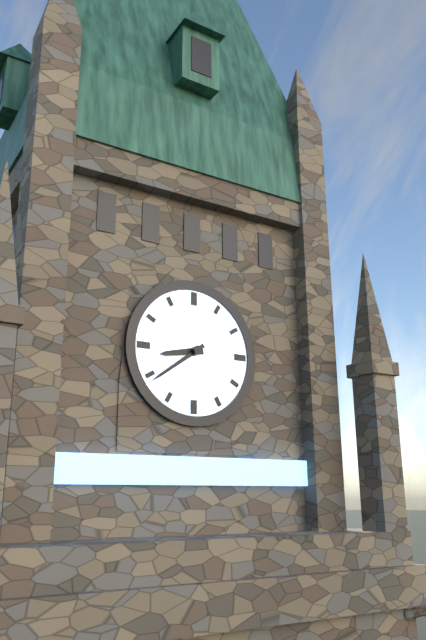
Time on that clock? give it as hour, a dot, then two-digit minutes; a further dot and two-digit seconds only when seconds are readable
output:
8.39
